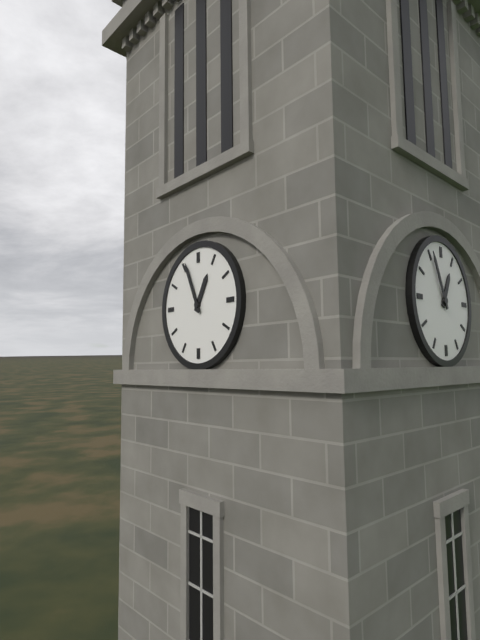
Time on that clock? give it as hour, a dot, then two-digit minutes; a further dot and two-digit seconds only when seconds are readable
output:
12.56
